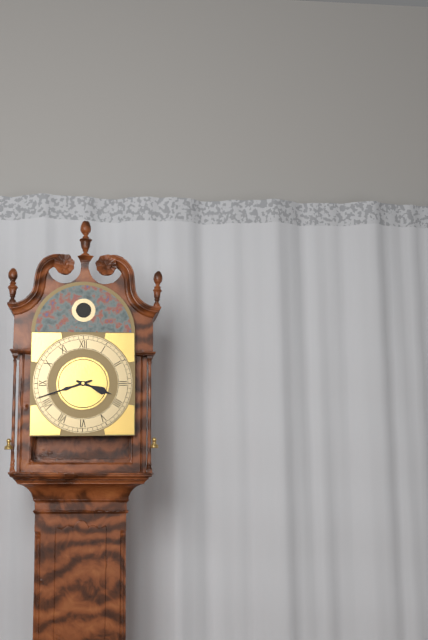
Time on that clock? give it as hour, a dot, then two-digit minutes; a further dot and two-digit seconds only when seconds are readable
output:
3.42
